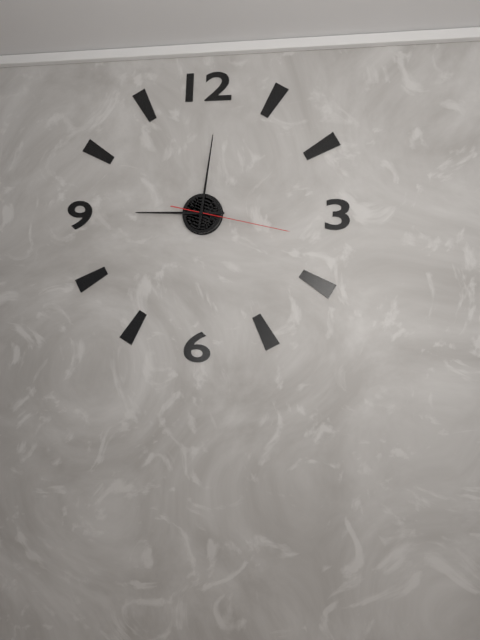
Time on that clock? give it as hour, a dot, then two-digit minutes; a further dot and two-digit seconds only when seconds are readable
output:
9.01.17
